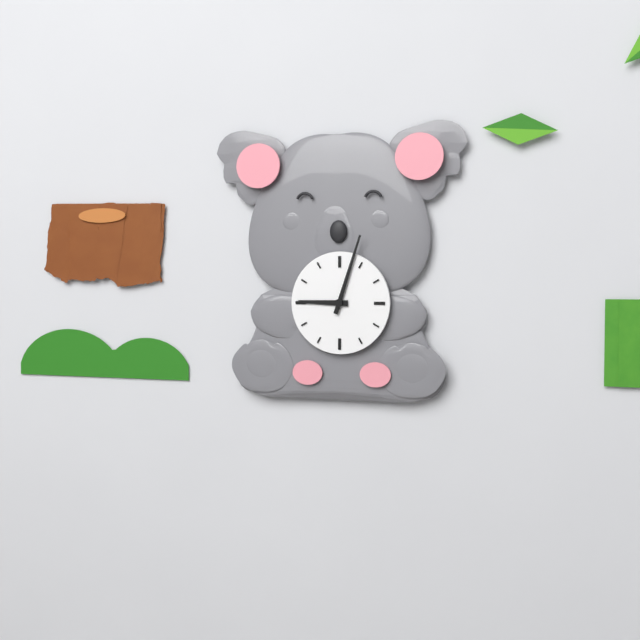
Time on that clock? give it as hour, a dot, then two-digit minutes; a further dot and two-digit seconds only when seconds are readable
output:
9.03
